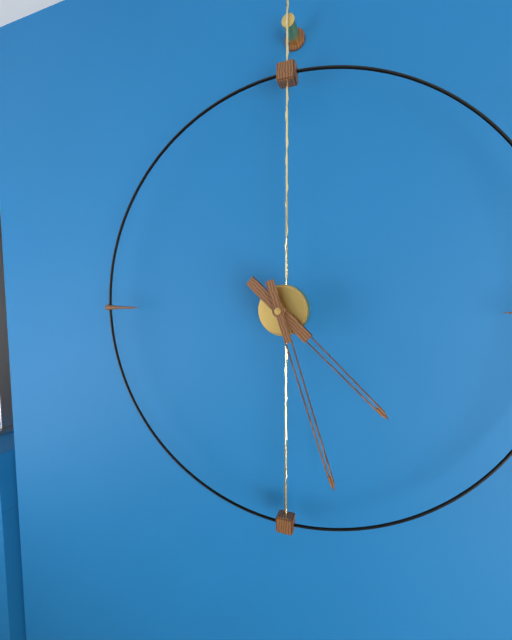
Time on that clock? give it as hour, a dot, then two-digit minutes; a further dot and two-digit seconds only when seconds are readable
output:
4.27
